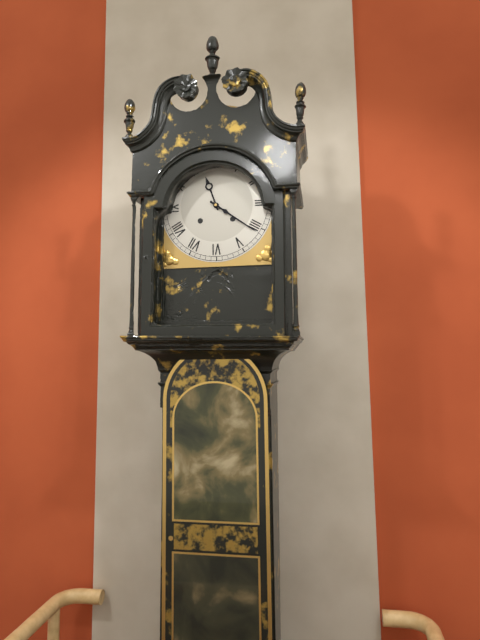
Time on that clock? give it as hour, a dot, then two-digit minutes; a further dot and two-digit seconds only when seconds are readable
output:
11.21
